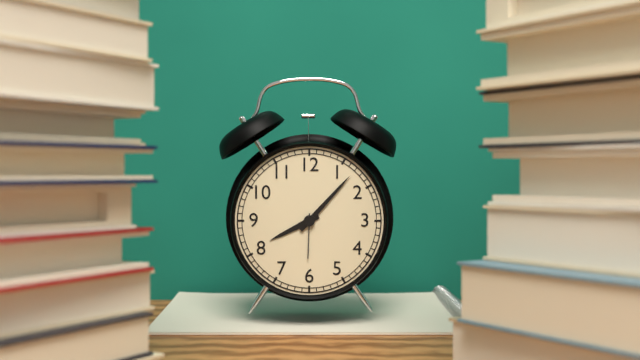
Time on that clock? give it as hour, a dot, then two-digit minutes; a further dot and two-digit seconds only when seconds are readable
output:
8.07
